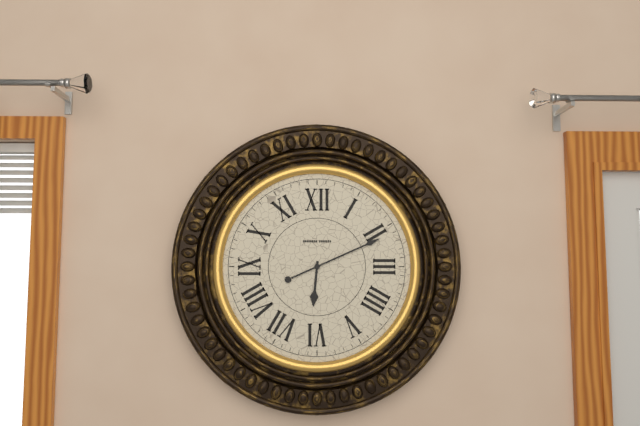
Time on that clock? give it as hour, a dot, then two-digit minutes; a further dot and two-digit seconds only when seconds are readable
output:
6.11
